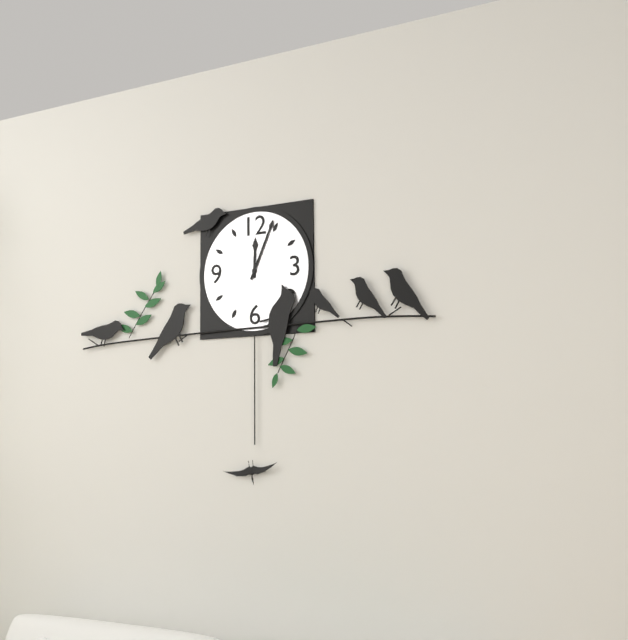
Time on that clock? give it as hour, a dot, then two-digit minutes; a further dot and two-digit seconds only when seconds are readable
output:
12.04
